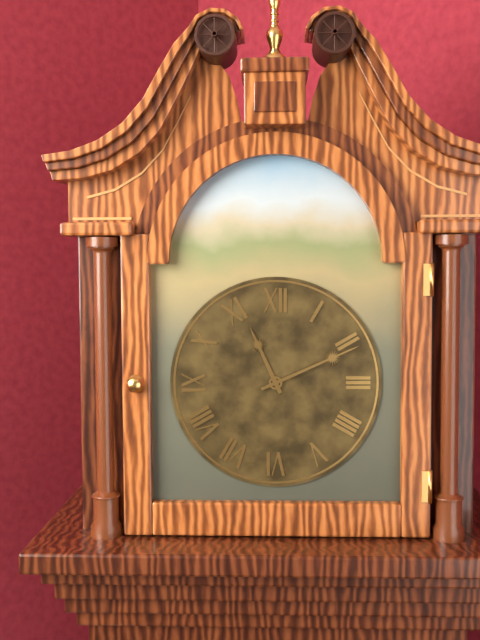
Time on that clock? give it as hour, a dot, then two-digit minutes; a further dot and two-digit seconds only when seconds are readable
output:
11.11
